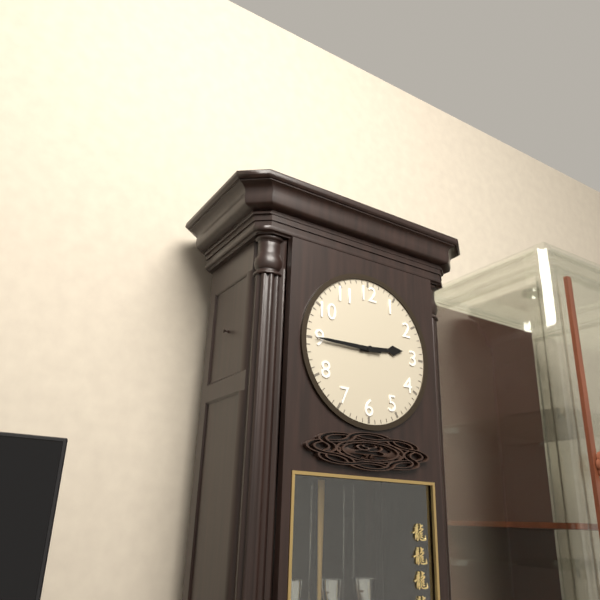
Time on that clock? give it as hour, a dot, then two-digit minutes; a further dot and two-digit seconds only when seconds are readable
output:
2.45
